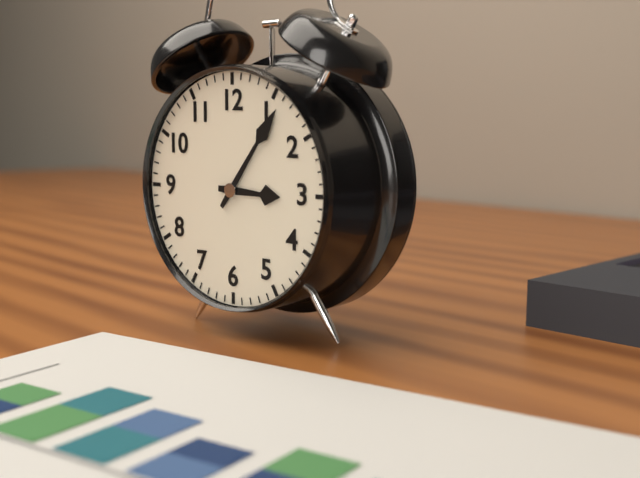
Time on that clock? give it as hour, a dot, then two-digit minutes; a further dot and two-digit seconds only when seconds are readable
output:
3.06
